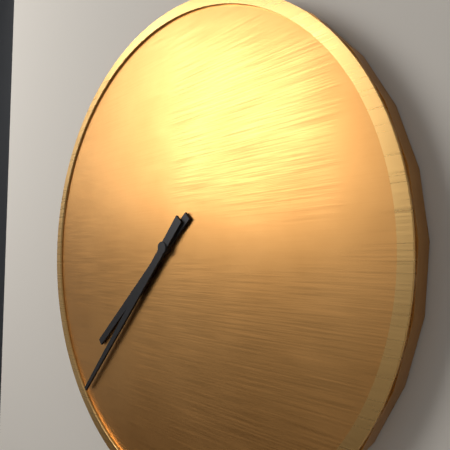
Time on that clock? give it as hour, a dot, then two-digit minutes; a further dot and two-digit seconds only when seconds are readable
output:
7.37
